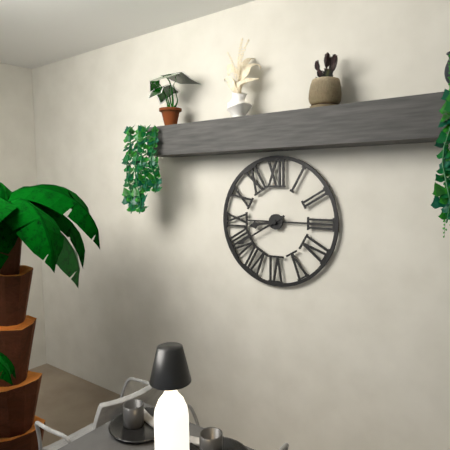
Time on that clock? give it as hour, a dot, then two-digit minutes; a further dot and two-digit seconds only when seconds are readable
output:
8.40
